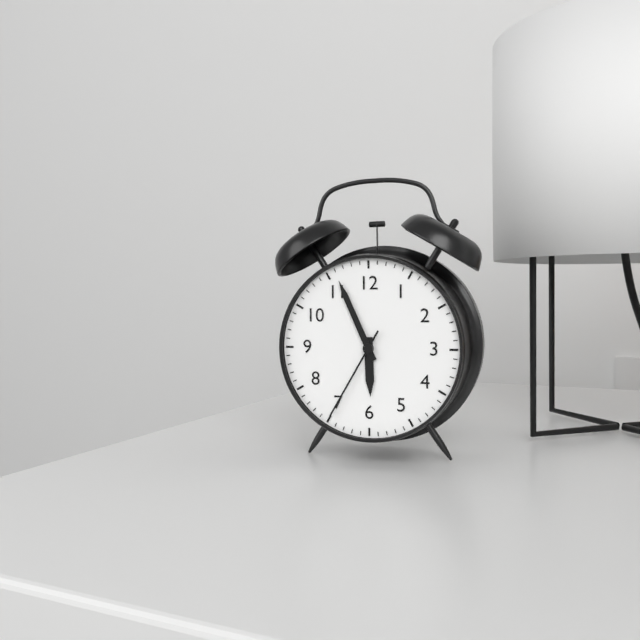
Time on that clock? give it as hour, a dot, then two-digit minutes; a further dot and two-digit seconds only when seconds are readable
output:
5.56.35
